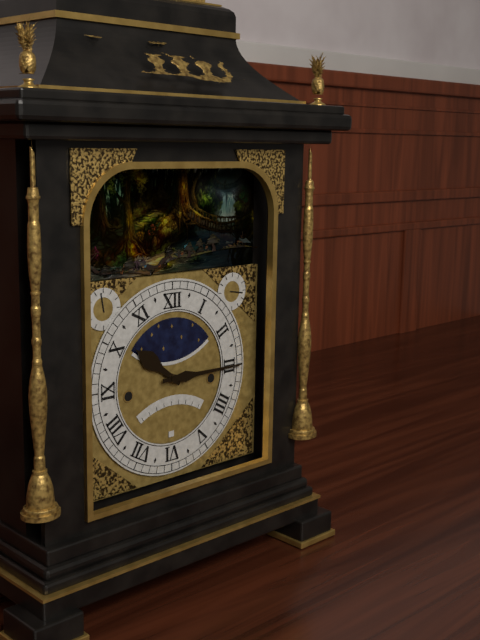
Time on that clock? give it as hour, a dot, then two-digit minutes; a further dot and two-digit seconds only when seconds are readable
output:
10.15
